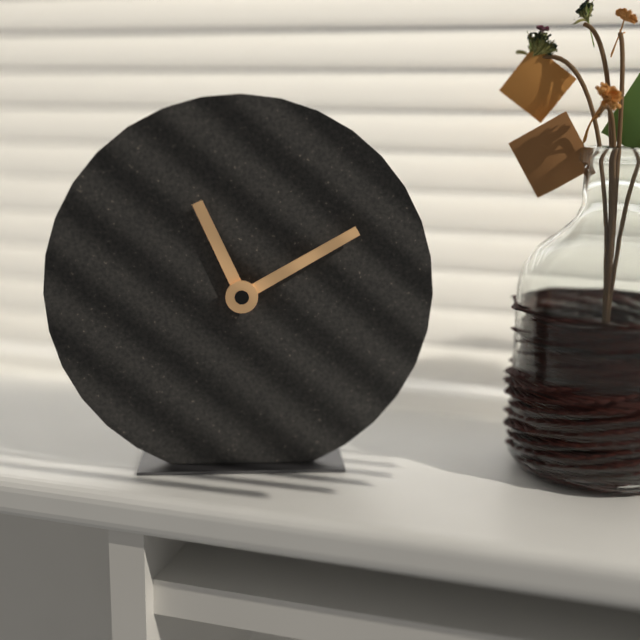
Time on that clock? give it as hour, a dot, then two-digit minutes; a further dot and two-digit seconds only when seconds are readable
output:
11.10
